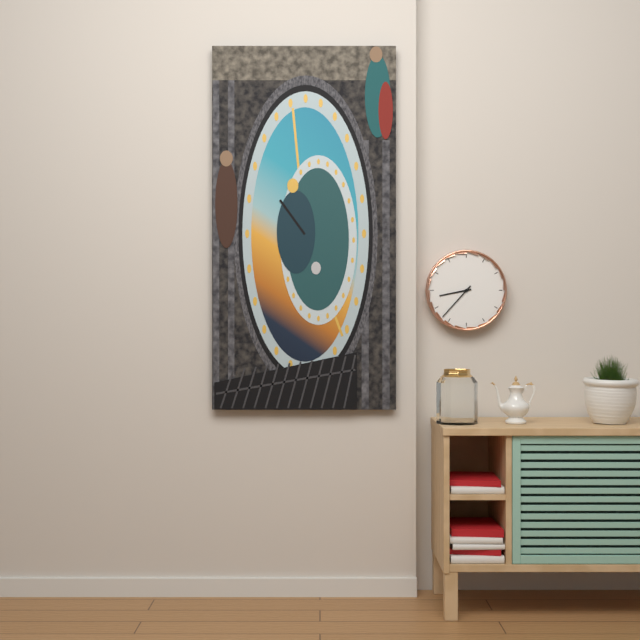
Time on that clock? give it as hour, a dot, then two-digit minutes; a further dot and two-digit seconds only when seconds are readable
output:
8.37
